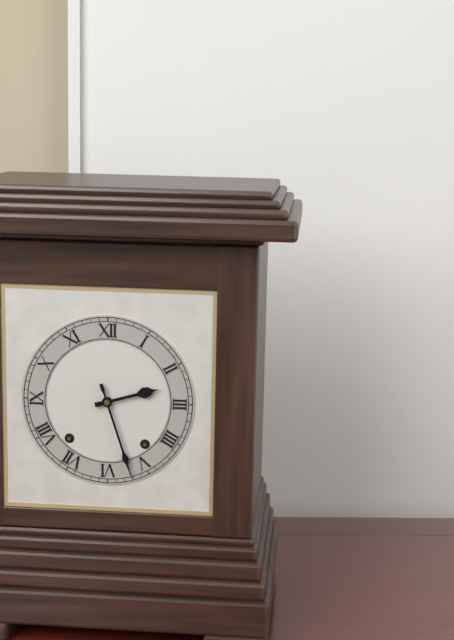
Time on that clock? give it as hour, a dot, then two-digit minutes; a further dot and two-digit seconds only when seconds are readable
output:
2.27
